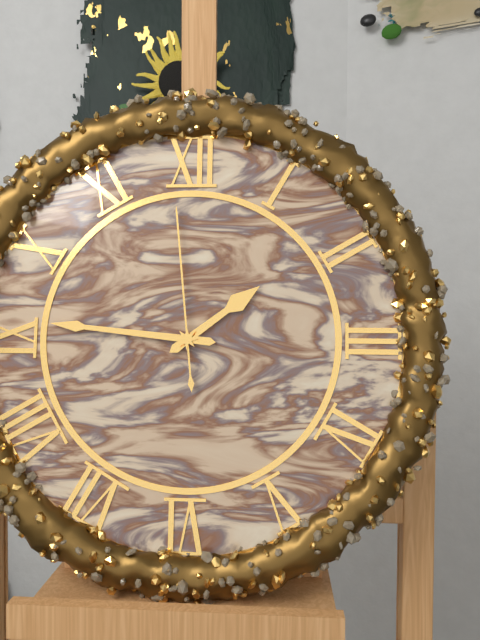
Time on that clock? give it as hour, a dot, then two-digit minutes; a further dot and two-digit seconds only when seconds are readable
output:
1.46.59
